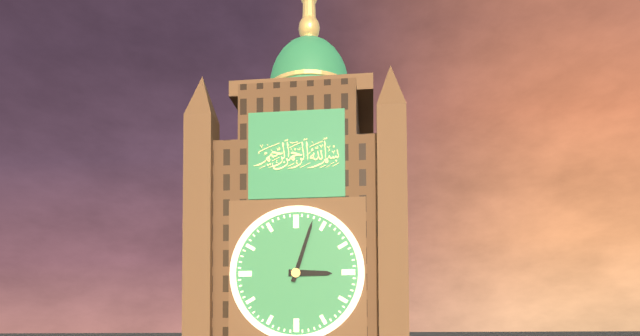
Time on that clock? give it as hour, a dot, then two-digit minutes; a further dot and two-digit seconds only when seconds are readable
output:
3.03
